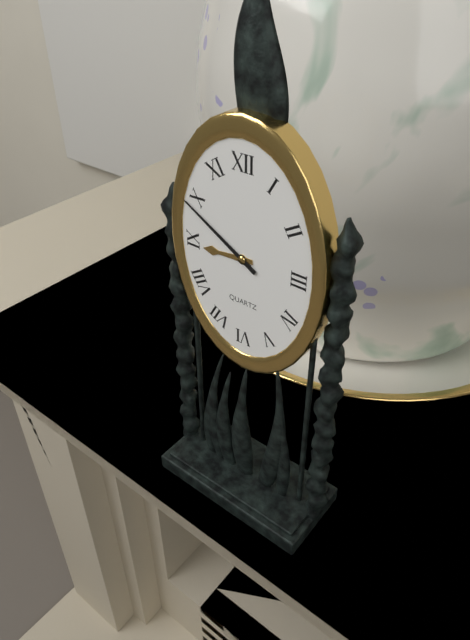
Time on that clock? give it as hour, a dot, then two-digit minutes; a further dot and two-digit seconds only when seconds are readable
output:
8.50
